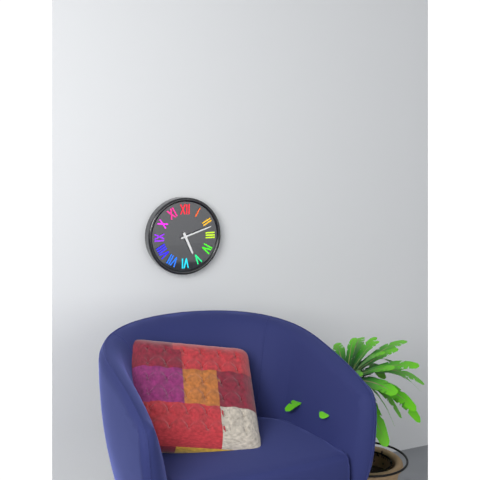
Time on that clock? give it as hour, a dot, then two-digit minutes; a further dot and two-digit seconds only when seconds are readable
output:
5.12
